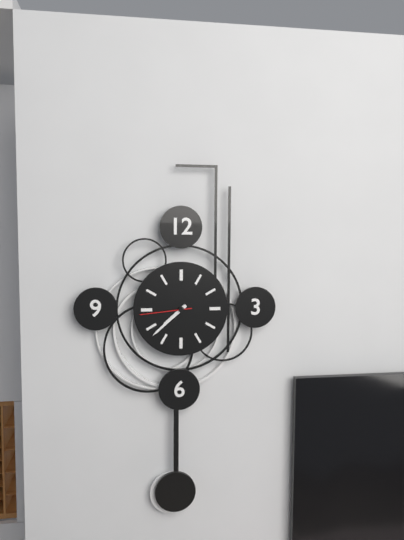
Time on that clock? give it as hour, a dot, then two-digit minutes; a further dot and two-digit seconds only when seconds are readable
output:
7.38.44
